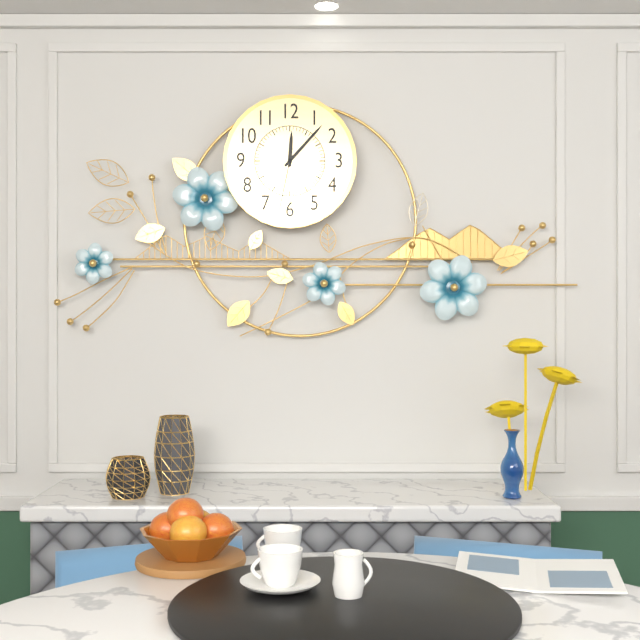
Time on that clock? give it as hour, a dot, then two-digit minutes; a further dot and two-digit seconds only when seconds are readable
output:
12.07.32
